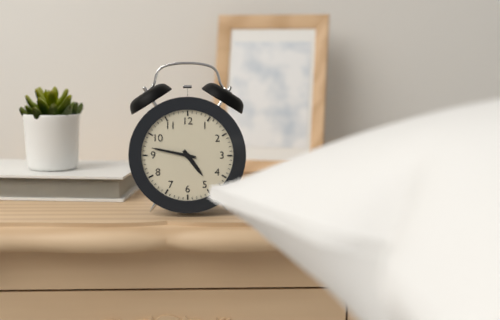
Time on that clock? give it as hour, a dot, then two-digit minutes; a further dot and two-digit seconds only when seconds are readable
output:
4.47
